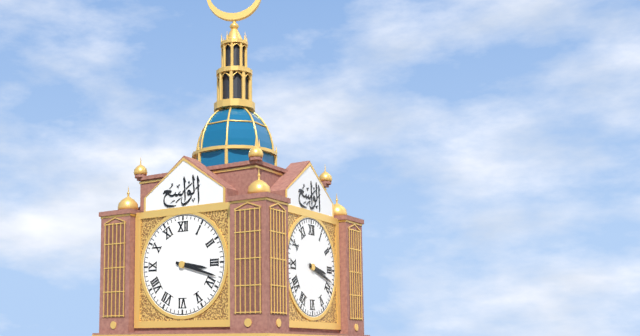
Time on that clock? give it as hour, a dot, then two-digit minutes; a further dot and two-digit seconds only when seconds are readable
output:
3.18
